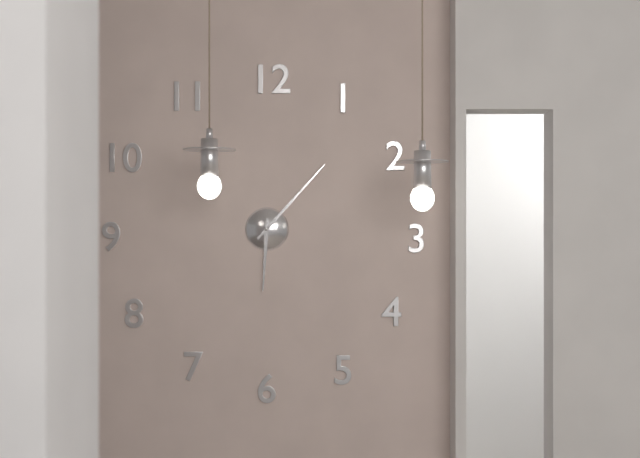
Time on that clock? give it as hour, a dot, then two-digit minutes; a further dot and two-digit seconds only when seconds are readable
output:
6.07
